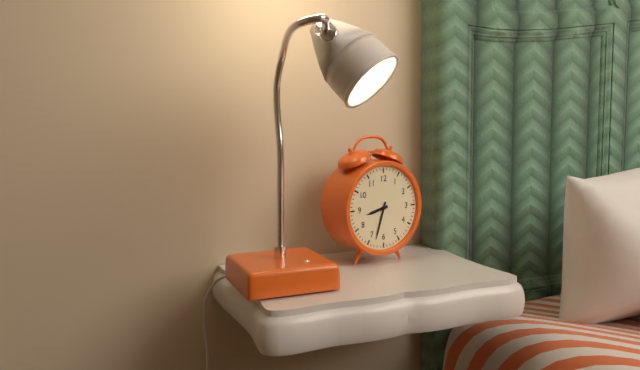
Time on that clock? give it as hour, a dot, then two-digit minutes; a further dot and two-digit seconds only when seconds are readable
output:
8.33
